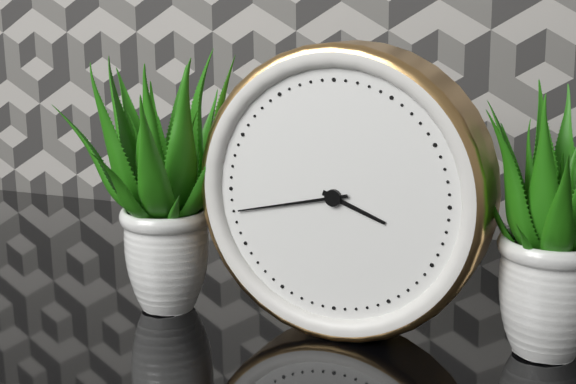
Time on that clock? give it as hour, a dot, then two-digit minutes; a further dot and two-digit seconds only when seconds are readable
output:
3.43
